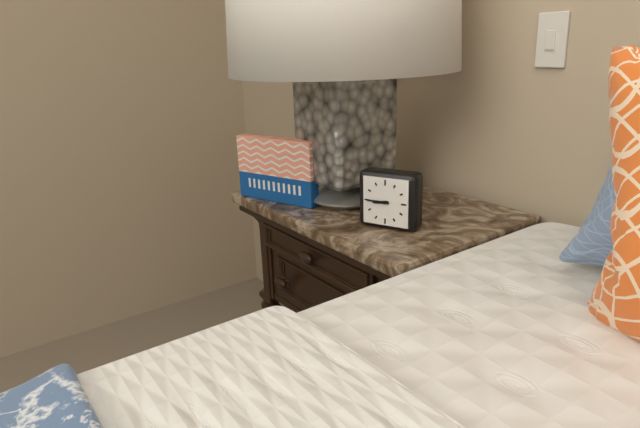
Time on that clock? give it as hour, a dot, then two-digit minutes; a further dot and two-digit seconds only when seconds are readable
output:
8.45
